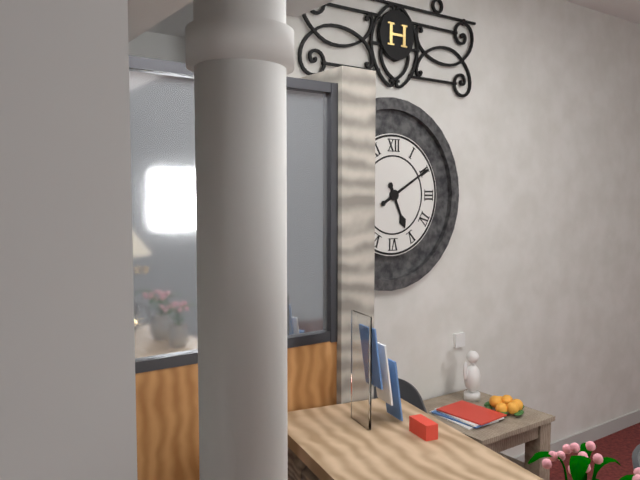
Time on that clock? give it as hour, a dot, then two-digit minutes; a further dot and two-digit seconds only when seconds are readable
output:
5.10
